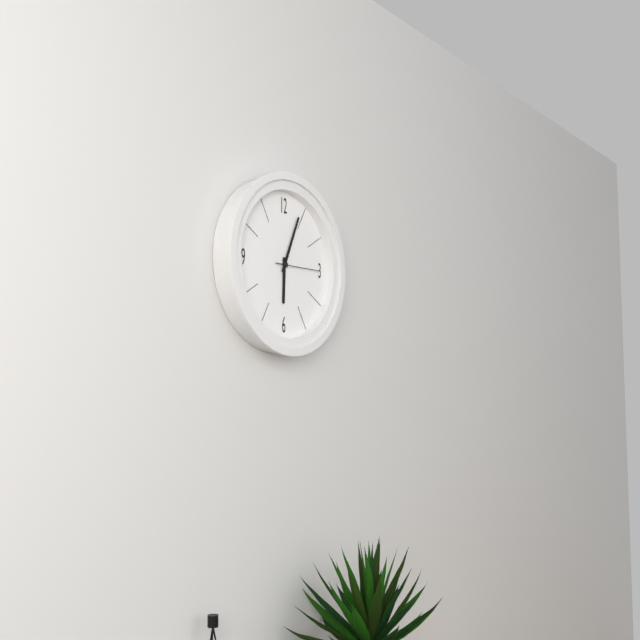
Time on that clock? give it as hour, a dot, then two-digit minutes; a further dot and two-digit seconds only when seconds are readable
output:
6.04
